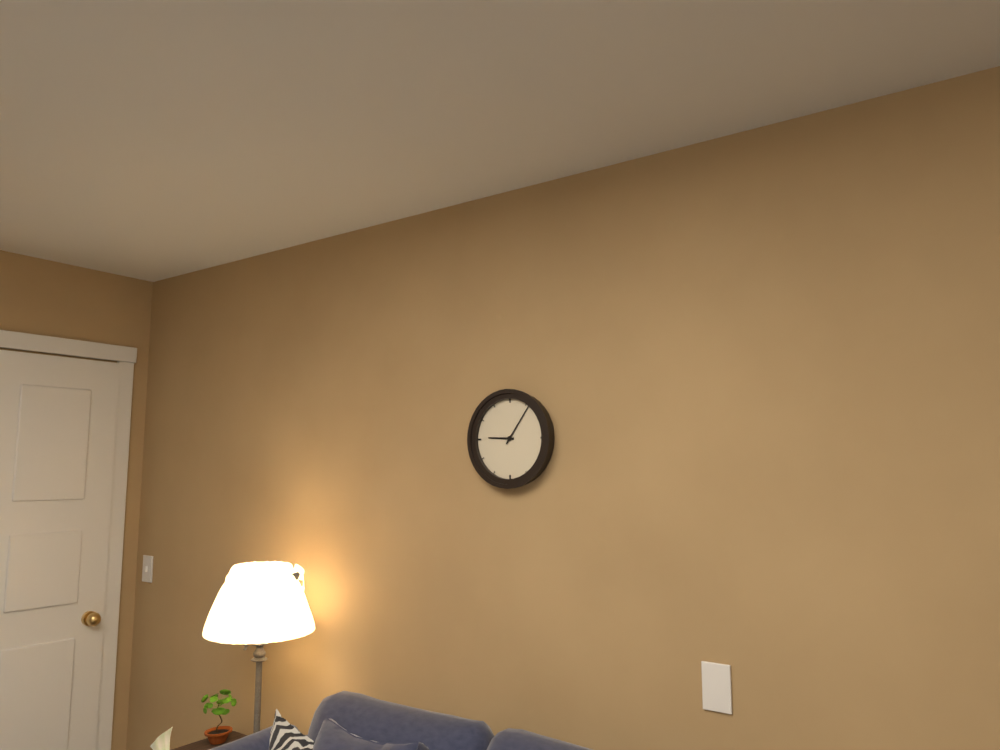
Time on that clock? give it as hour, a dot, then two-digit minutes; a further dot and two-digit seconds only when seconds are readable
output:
9.06
